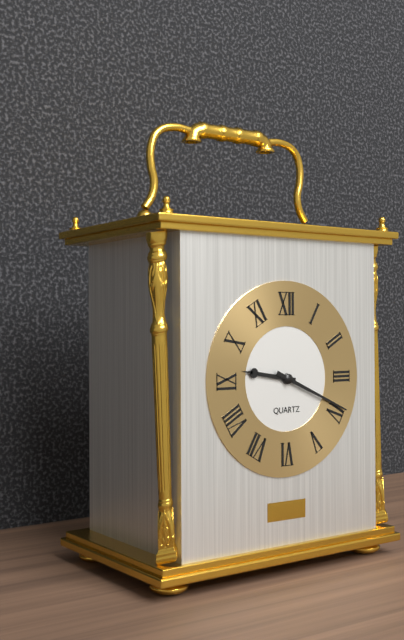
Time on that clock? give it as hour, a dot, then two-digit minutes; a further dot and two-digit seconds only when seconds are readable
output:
9.19
